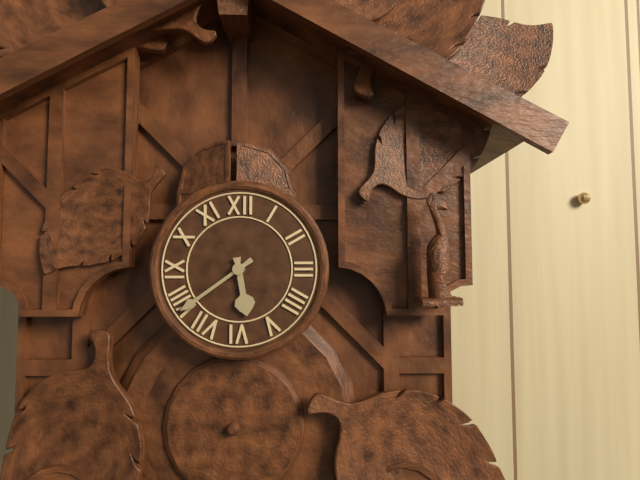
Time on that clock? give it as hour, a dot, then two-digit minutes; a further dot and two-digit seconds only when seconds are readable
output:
5.39
